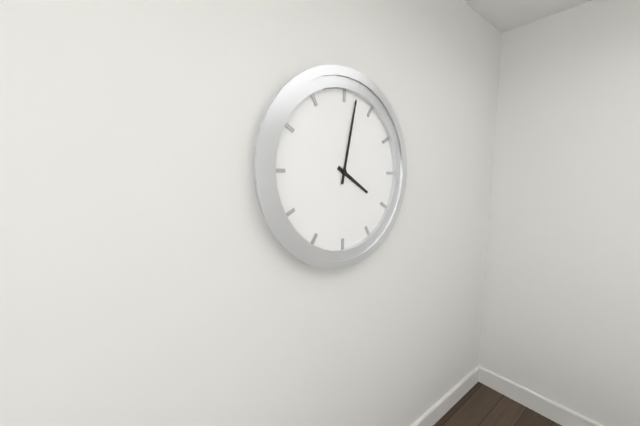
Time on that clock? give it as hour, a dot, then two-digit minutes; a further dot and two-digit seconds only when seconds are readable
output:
4.02
